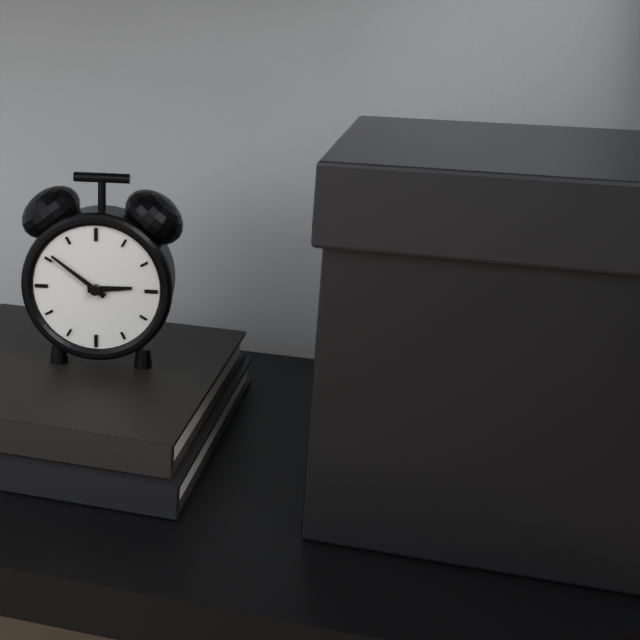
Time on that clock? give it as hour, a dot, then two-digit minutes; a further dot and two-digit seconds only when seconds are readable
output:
2.51
